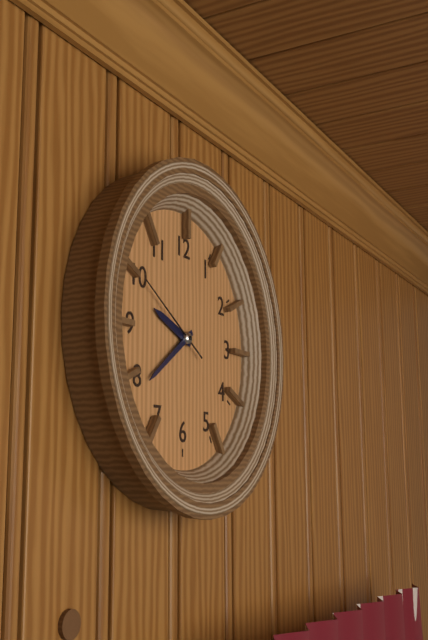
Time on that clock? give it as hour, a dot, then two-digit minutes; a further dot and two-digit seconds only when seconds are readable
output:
9.39.50
